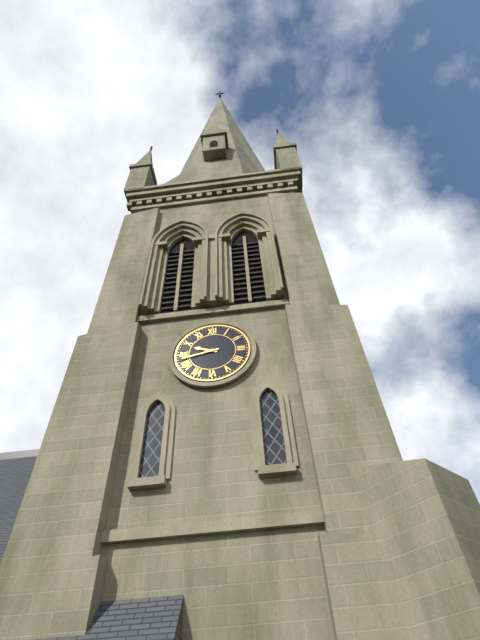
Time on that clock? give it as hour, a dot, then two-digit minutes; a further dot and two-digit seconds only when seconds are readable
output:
9.43
